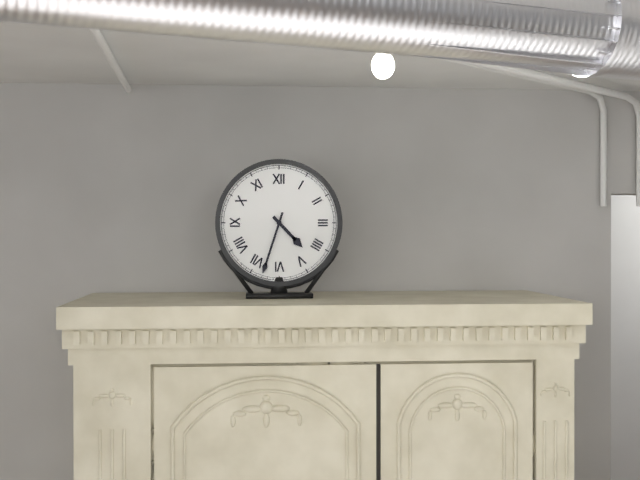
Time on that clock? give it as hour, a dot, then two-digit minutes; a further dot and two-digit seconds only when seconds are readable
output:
4.33
